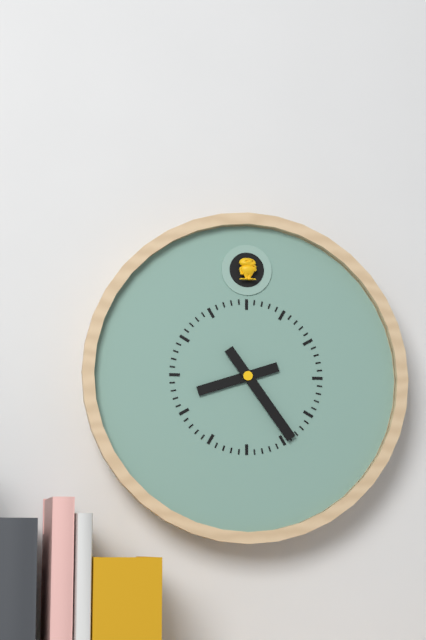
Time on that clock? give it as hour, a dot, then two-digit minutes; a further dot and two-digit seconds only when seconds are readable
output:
8.24
